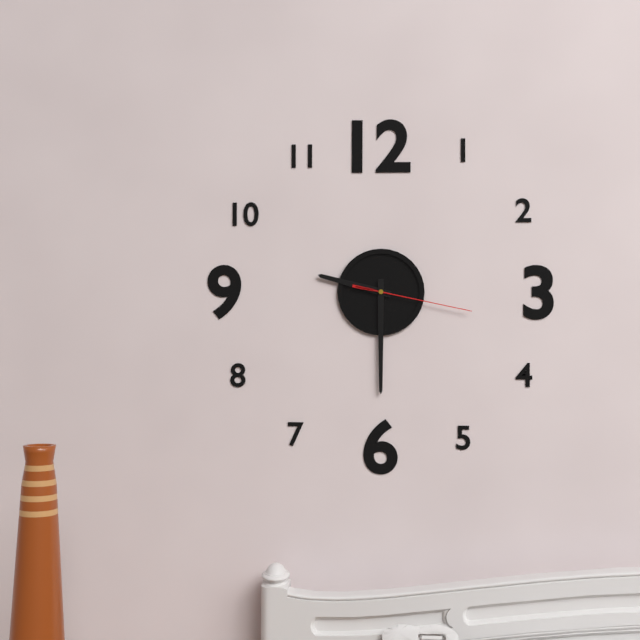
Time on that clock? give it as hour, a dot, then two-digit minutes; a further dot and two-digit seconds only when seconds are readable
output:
9.30.17
